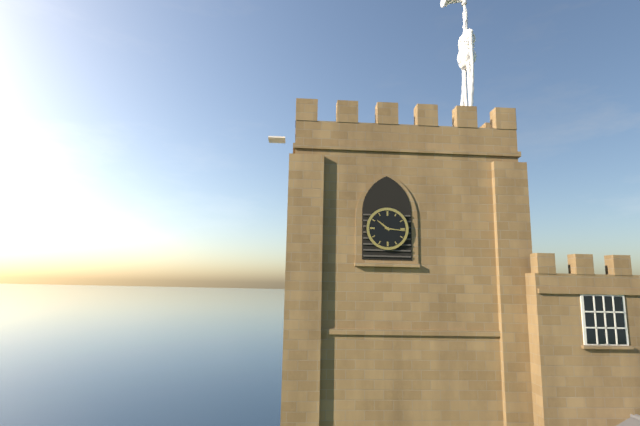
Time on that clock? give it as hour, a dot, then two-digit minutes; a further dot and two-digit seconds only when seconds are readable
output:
10.16
